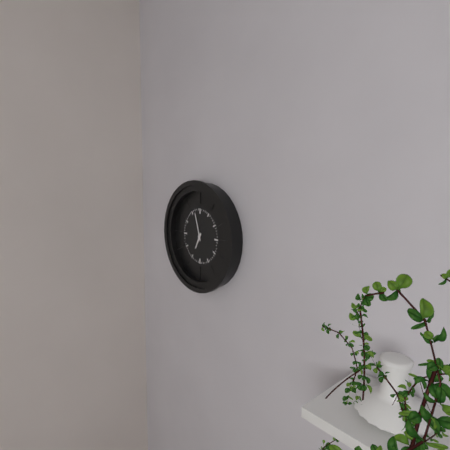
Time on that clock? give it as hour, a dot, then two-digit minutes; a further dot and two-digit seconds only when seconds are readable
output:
6.57
